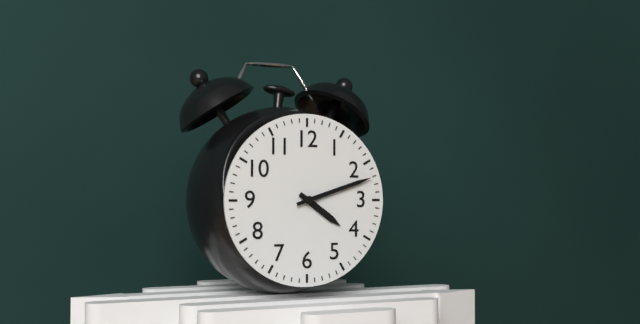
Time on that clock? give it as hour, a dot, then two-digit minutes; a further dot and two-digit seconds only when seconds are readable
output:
4.12
